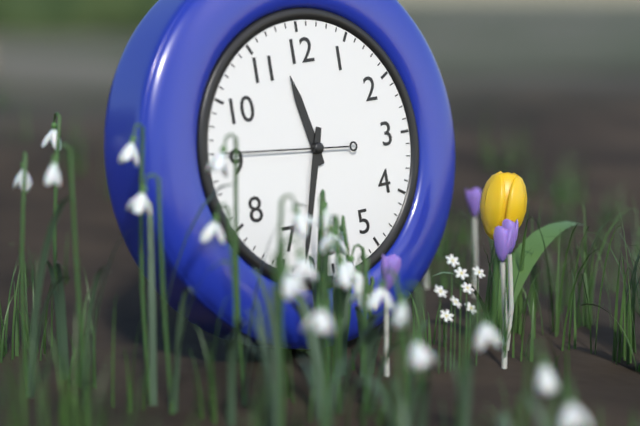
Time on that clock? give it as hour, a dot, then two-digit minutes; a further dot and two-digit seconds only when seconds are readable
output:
11.33.46
